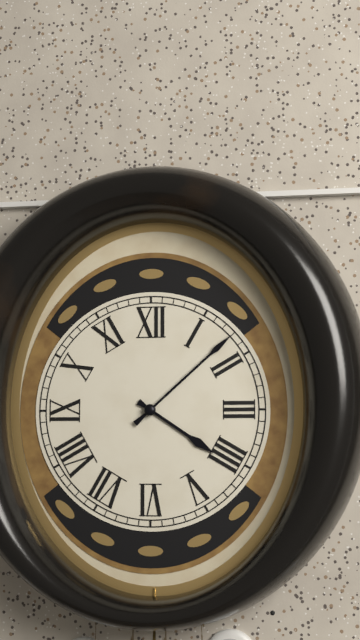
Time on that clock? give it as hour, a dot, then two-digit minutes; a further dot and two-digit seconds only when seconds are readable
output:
4.08
